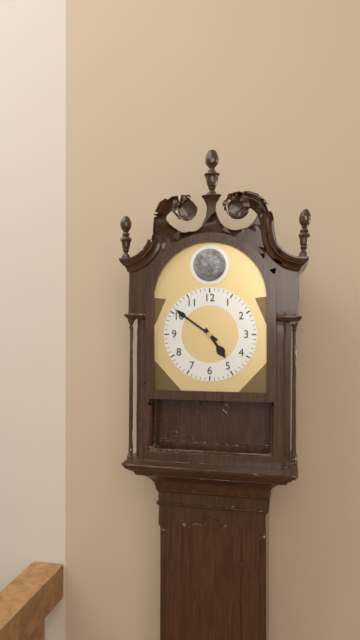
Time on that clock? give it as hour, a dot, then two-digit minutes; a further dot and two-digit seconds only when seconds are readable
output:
4.51
